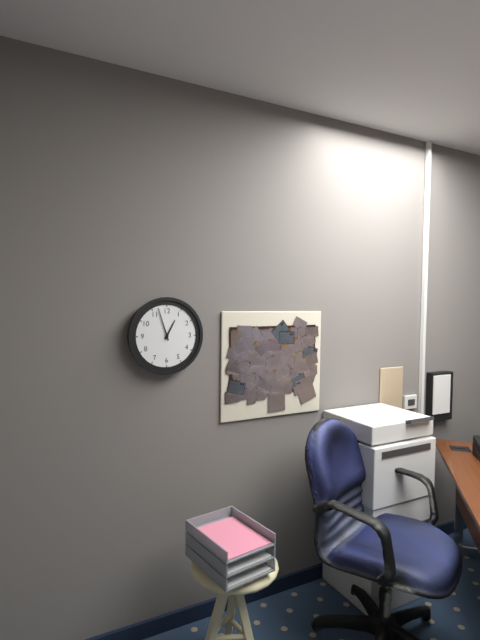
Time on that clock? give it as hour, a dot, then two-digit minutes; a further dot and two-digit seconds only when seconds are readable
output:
12.57
